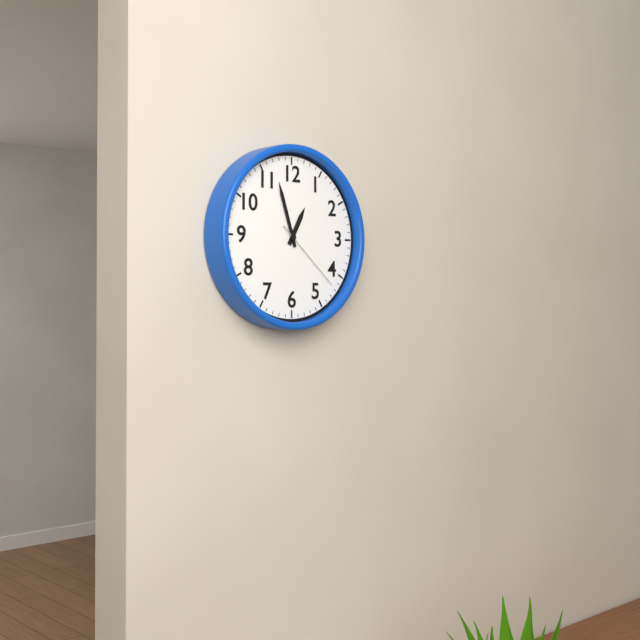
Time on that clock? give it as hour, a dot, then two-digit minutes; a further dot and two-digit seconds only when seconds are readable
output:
12.57.22
